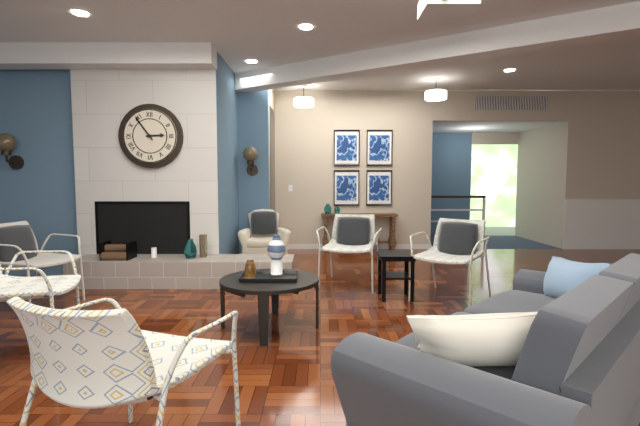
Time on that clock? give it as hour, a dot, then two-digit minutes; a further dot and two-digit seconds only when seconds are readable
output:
2.54
